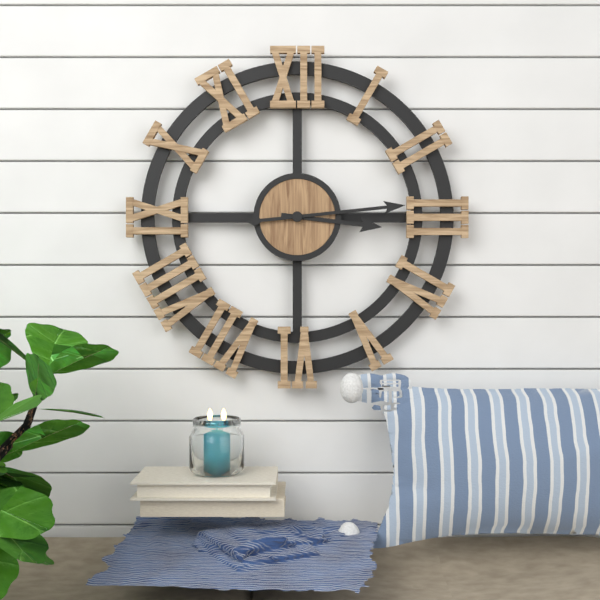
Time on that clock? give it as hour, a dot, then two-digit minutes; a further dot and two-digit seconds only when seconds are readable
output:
3.14
